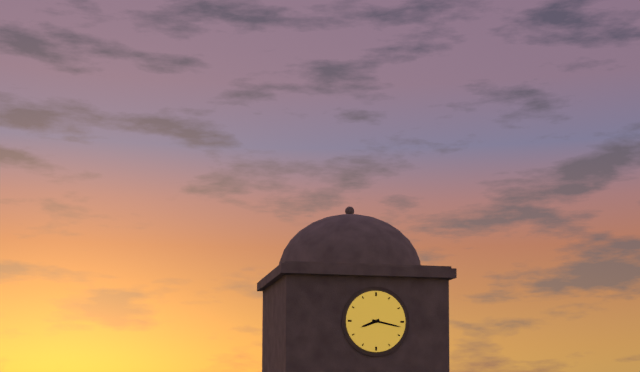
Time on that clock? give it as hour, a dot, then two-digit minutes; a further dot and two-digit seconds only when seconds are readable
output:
8.17
